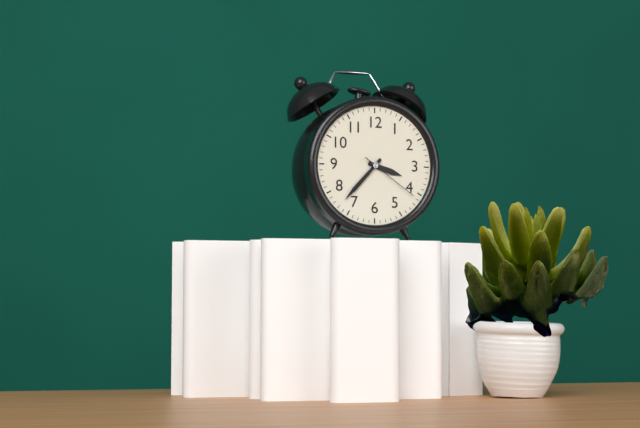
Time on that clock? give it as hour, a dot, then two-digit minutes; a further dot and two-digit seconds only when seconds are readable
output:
3.37.21
